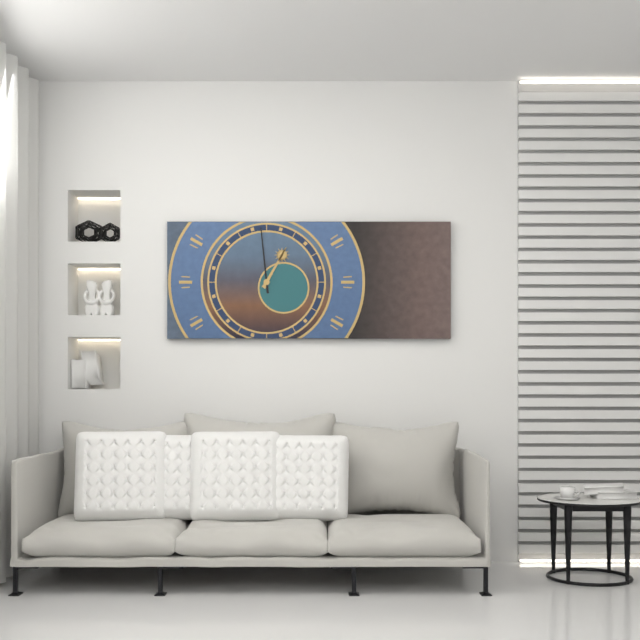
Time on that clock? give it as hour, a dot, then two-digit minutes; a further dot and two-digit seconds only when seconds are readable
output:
12.59
